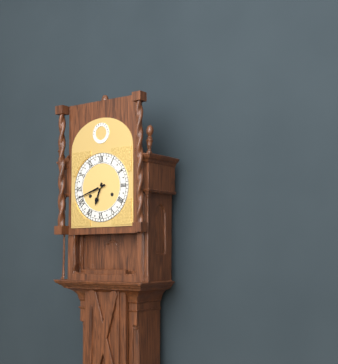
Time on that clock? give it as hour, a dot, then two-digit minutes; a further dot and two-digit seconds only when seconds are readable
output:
6.42
